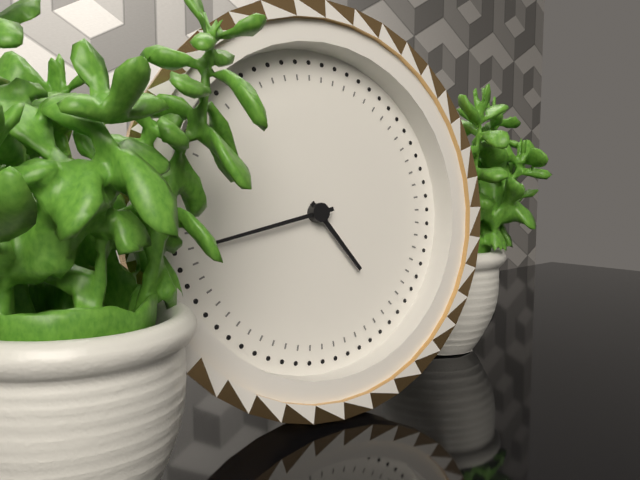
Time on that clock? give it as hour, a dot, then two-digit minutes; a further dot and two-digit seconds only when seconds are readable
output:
4.43
